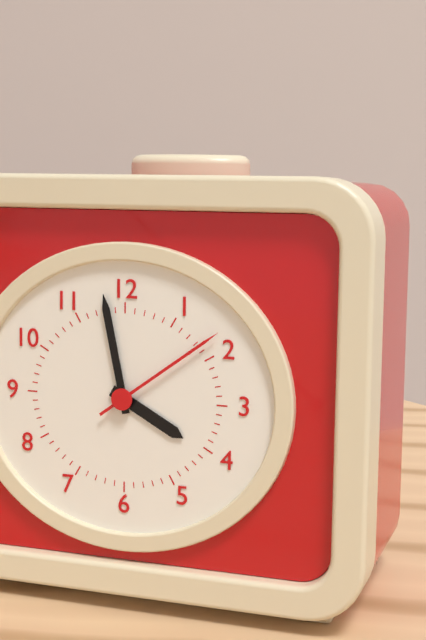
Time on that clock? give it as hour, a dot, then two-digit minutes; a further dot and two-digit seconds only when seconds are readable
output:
3.58.09
